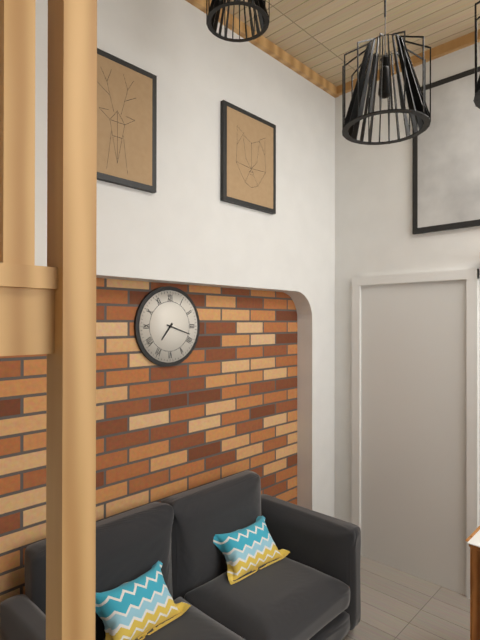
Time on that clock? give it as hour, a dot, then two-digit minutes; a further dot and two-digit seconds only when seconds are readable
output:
7.18
